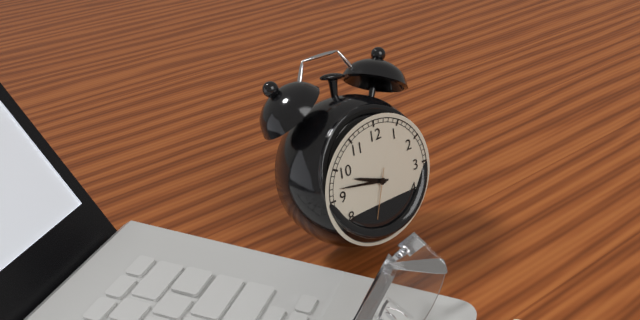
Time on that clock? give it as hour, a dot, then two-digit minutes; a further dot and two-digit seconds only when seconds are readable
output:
9.47
